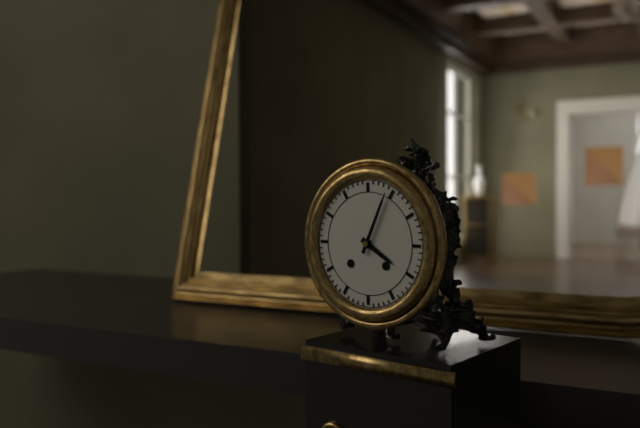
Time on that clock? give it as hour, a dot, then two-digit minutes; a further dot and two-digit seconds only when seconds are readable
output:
4.04
